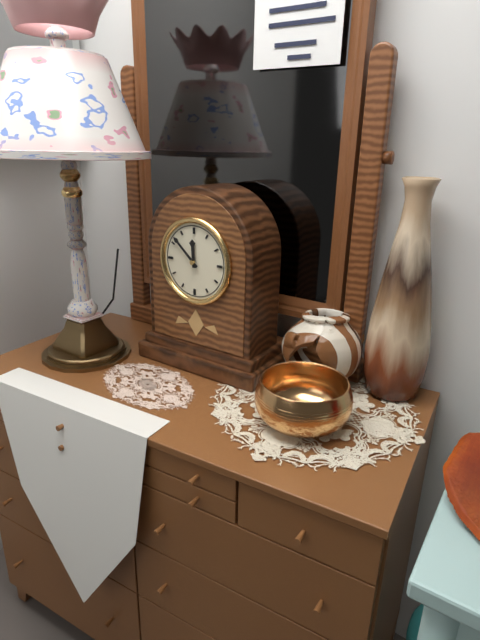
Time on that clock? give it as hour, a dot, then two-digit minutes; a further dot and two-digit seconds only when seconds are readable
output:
11.52
